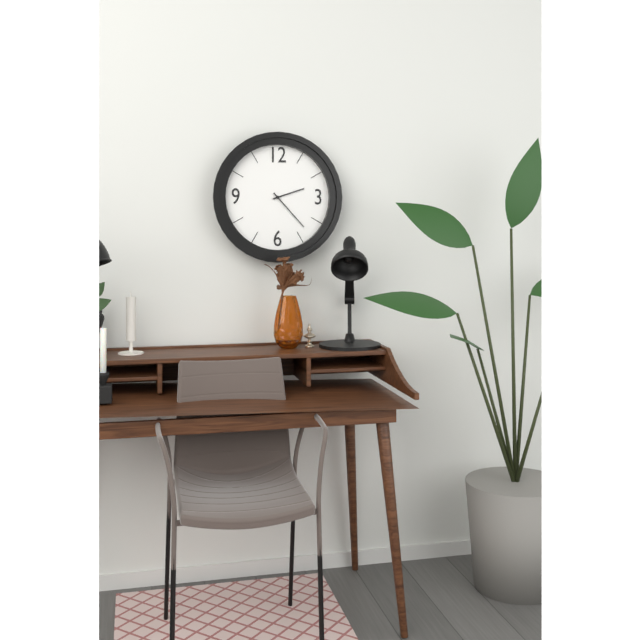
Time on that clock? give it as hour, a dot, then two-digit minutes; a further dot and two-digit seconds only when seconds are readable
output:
2.23
